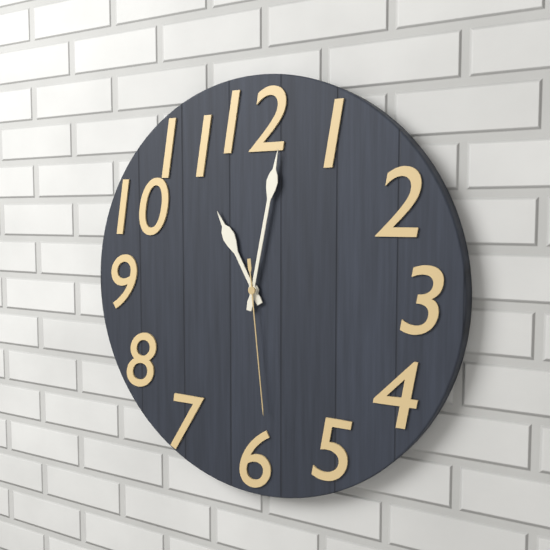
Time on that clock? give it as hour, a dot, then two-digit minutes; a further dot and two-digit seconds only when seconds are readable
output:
11.02.29
